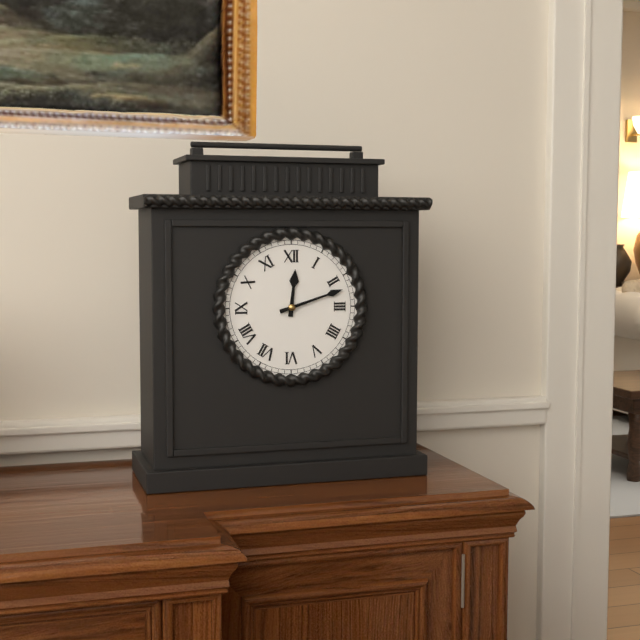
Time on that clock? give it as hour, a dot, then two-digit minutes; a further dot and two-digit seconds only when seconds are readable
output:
12.12
